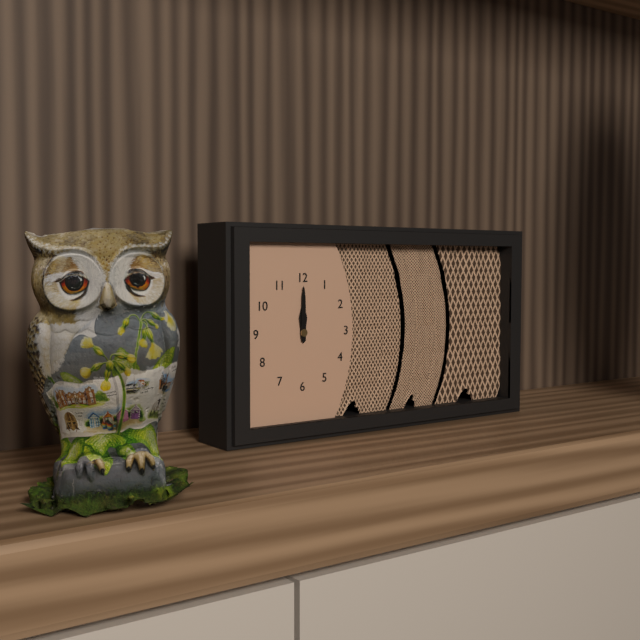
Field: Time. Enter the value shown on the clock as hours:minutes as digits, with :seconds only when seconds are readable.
12:00
